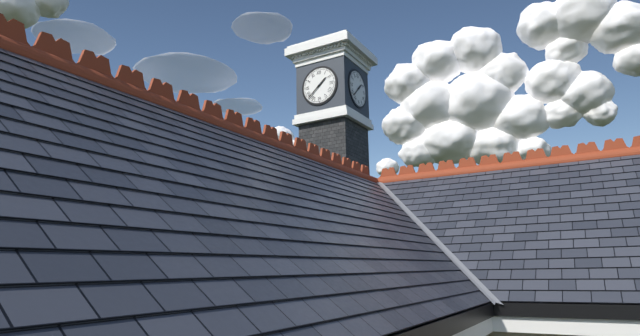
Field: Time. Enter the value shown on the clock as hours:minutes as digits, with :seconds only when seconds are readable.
1:38
